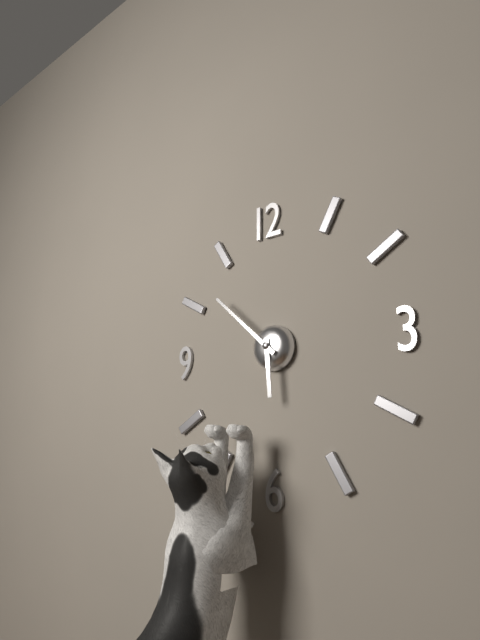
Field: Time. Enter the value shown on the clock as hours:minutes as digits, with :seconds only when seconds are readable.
5:52
